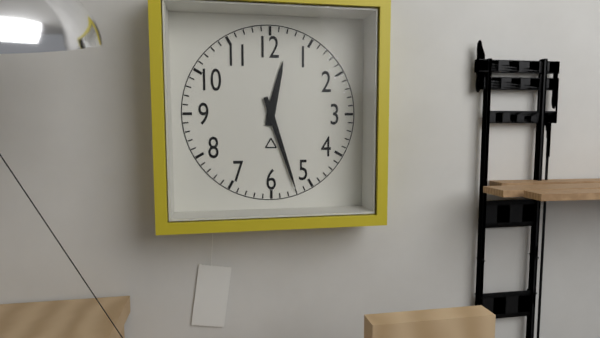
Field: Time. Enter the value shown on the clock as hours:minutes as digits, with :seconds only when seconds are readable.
12:27
